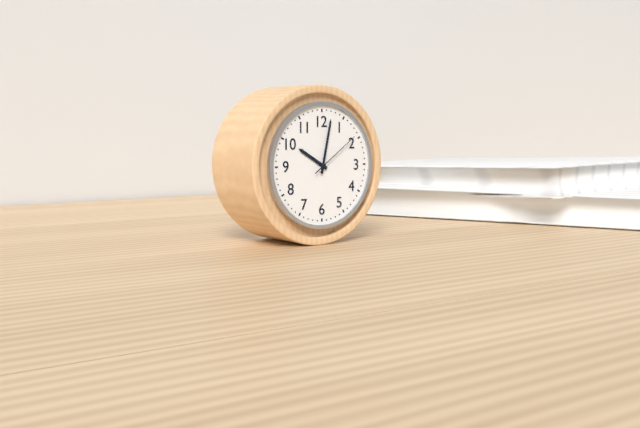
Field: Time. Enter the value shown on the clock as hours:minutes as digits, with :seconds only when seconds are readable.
10:02:09
